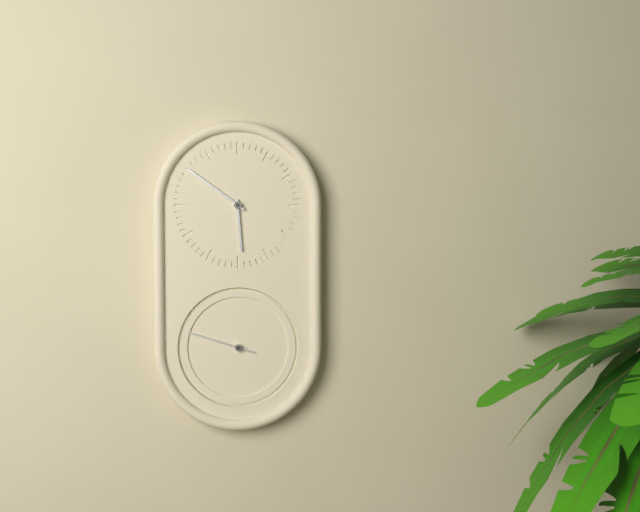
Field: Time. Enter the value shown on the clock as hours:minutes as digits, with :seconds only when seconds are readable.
5:51:48
